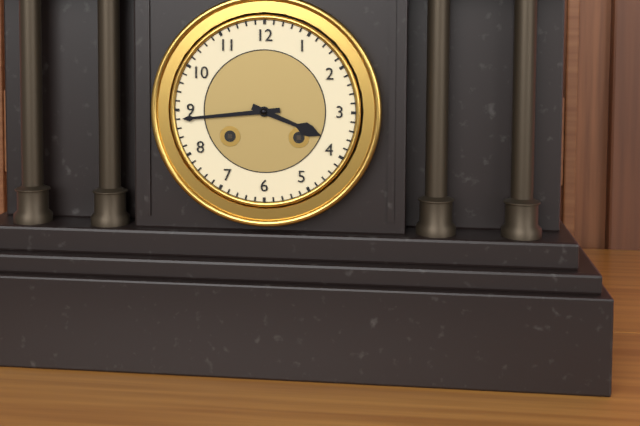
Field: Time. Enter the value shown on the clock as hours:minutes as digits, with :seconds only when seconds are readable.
3:44
